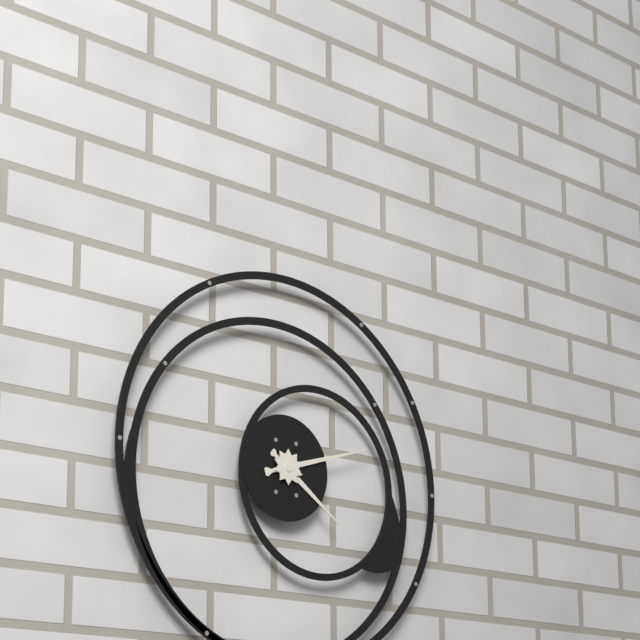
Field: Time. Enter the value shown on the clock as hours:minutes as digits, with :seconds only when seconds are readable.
4:12
